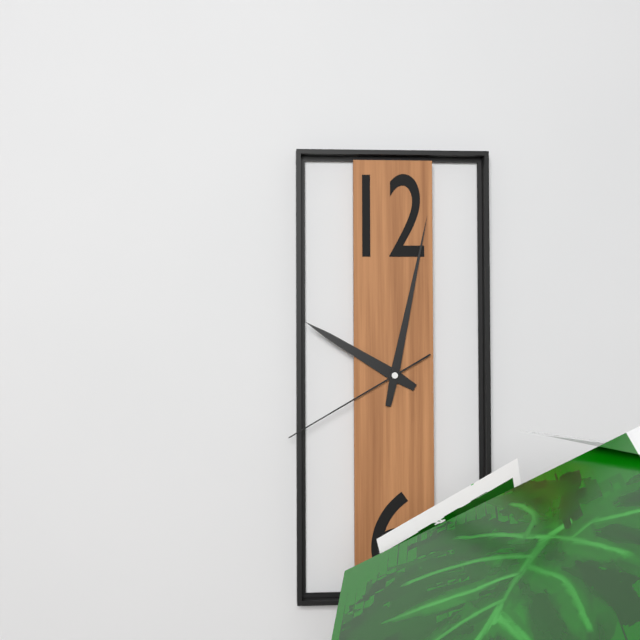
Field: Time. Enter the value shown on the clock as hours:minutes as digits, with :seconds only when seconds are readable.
10:02:40
